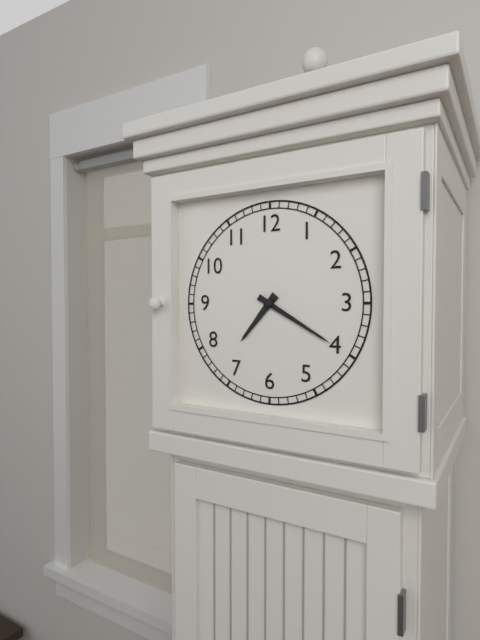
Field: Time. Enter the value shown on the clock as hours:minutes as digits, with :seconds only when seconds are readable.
7:20
